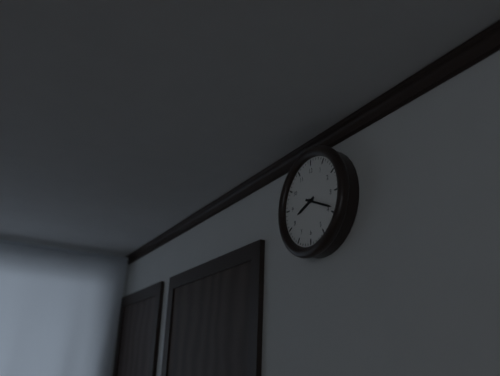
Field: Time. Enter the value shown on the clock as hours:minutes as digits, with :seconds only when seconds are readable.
8:19
